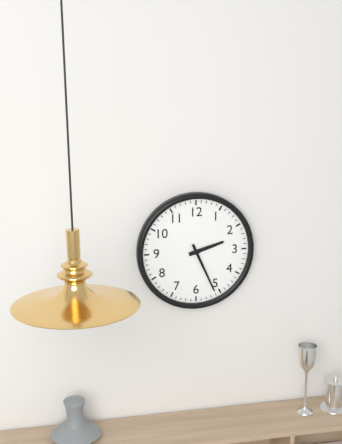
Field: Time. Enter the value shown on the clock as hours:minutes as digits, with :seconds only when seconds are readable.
2:26
